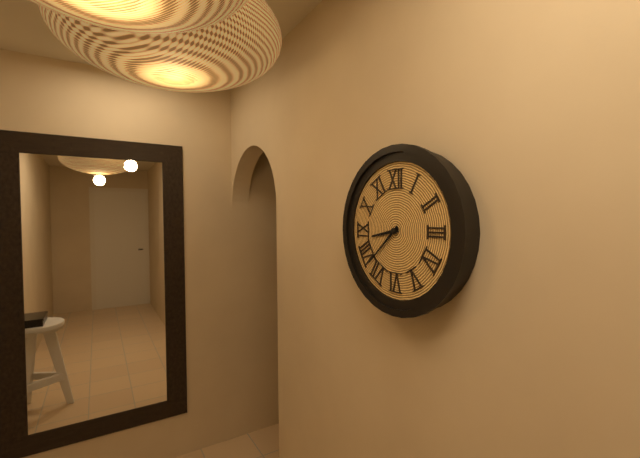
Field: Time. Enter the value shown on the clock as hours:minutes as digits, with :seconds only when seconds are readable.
8:38
